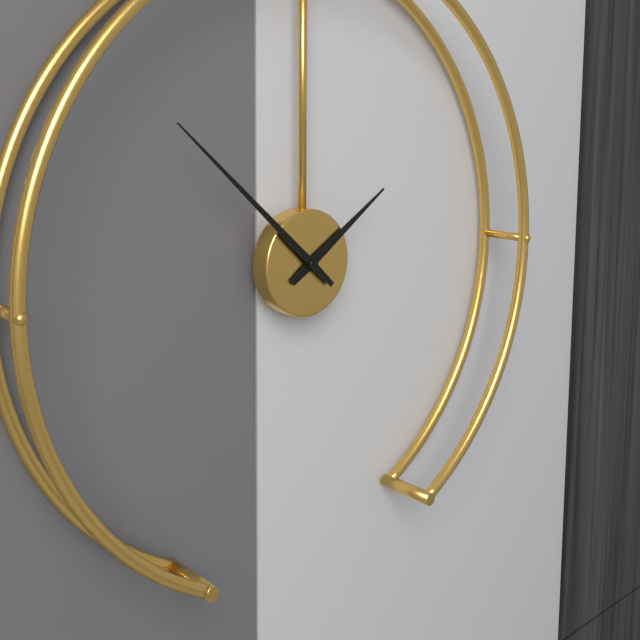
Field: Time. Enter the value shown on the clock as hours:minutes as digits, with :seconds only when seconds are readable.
1:52
